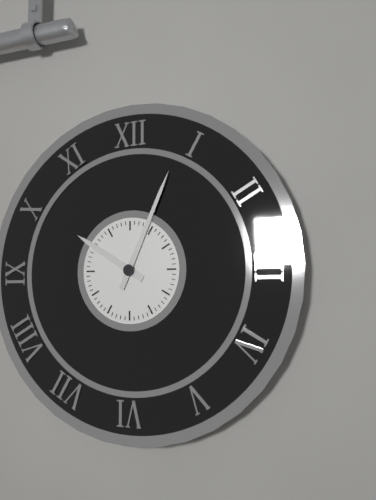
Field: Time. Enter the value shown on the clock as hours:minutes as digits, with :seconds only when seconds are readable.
10:04
